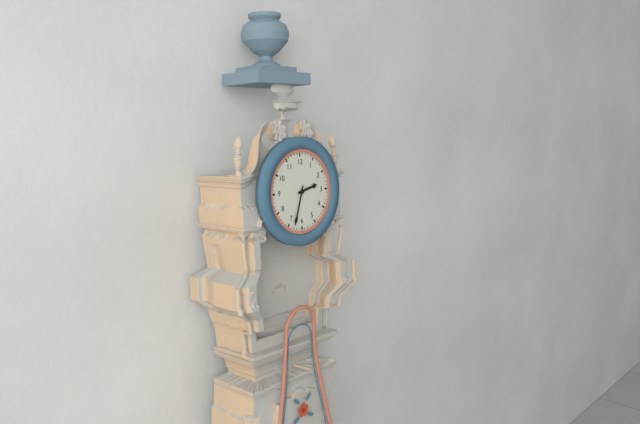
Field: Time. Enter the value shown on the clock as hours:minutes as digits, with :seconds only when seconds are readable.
2:33
